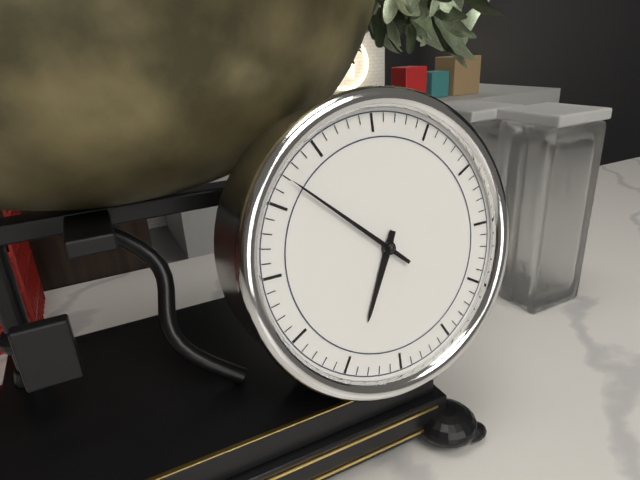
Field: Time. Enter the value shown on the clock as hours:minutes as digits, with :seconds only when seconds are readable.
6:52
